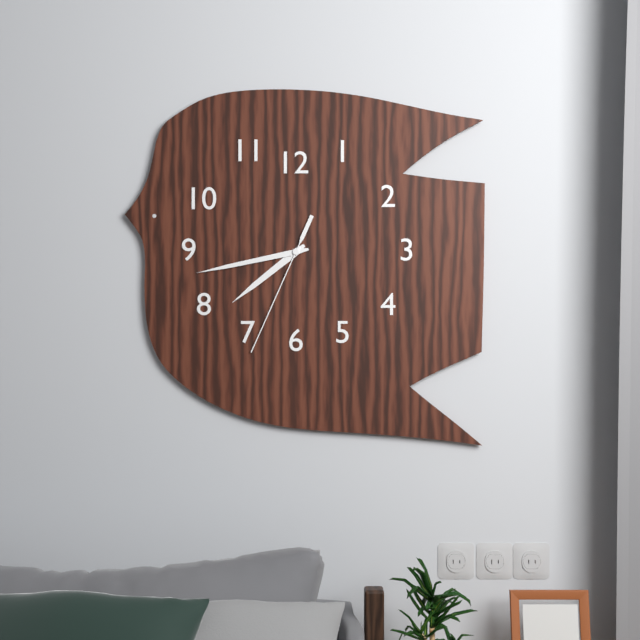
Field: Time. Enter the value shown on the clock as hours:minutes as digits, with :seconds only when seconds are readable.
7:43:34
